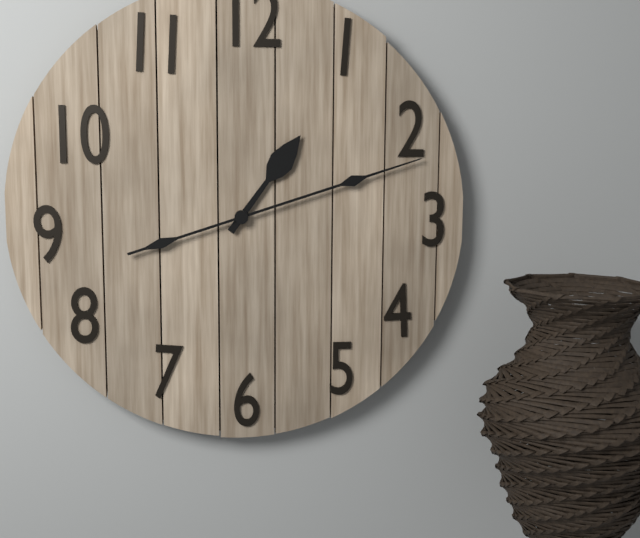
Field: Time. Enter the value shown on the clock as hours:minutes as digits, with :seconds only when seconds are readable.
1:12
